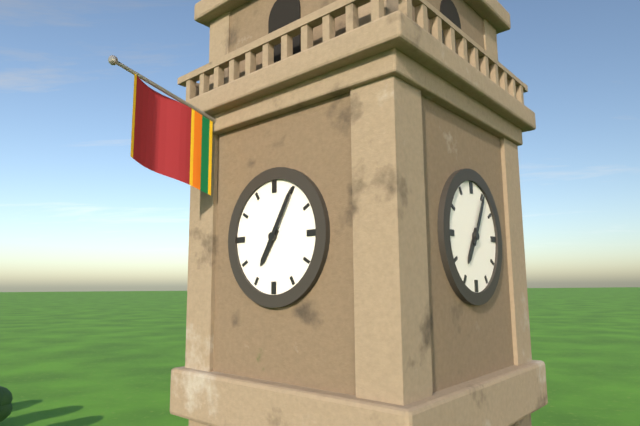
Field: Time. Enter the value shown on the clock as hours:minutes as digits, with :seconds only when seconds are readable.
7:05
